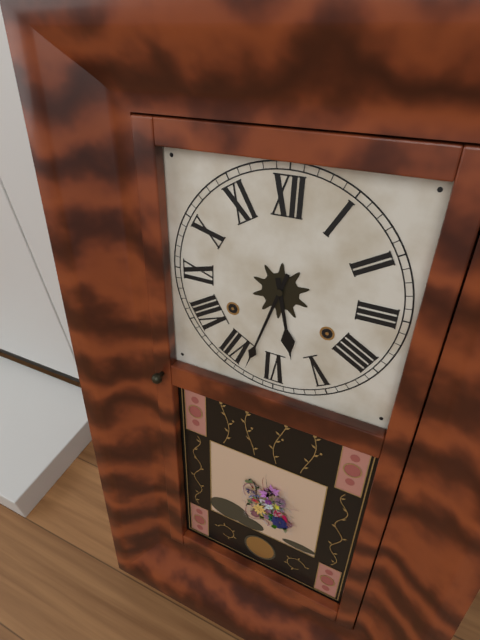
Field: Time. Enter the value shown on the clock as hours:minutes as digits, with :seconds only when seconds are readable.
5:33
